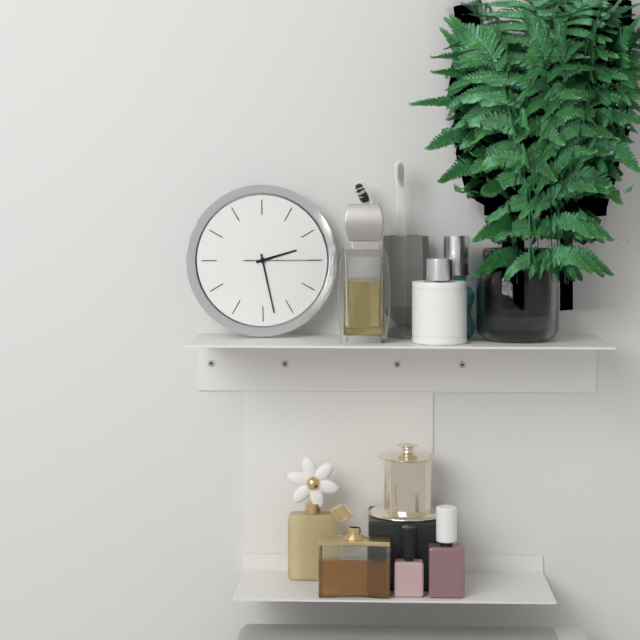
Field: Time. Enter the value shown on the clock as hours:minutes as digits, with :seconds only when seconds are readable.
2:28:15
